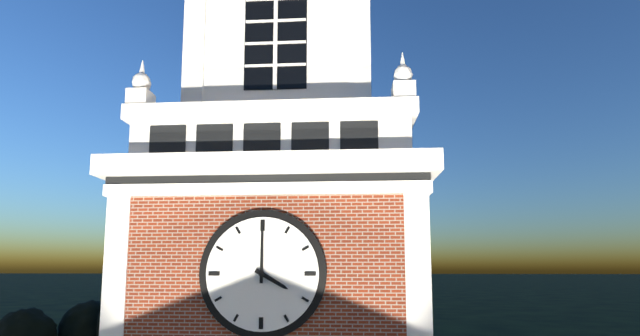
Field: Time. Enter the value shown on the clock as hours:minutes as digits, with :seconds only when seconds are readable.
4:00
